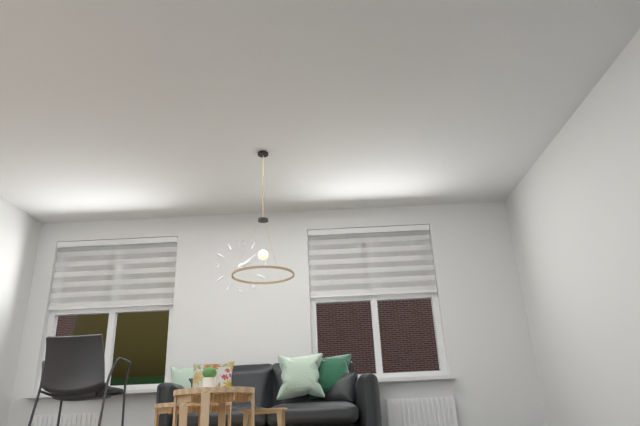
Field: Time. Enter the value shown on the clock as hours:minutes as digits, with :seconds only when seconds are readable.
2:09
